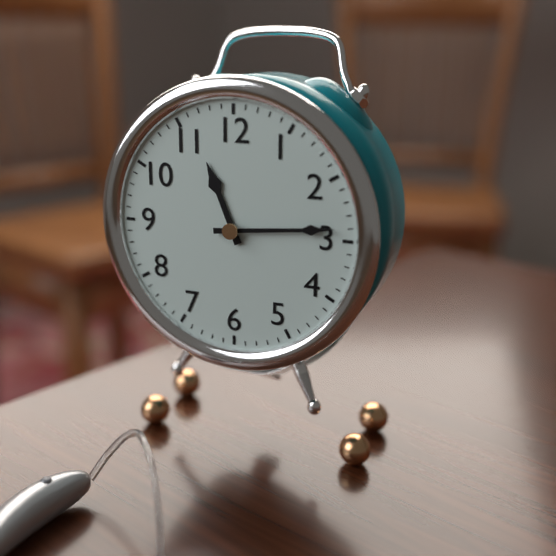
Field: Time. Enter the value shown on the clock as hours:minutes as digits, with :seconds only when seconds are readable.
11:14
